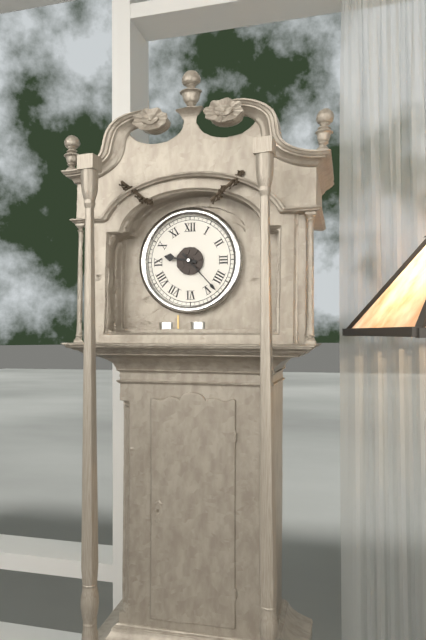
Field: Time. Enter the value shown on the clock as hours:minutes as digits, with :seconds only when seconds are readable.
9:23
